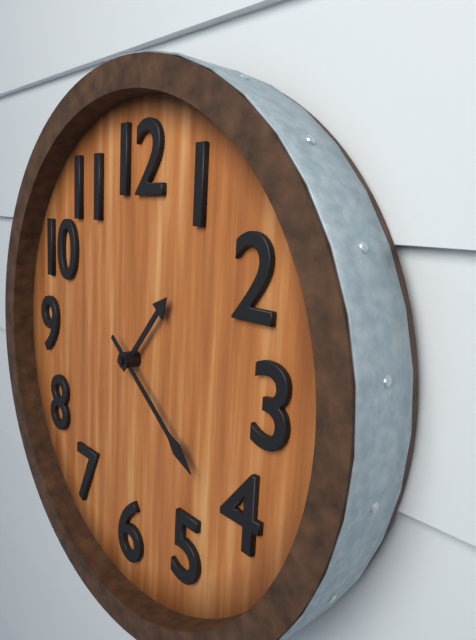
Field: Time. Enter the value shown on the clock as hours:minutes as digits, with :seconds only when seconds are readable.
1:21
